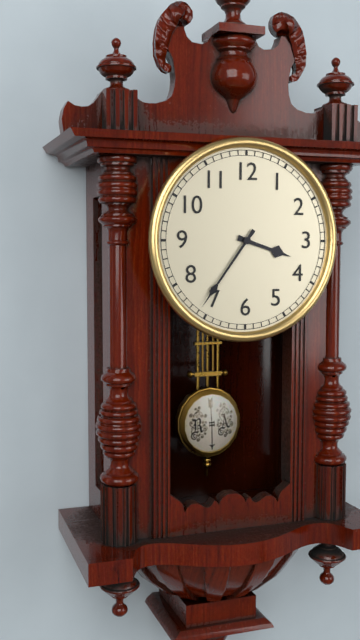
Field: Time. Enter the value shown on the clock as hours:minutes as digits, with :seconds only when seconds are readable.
3:36
